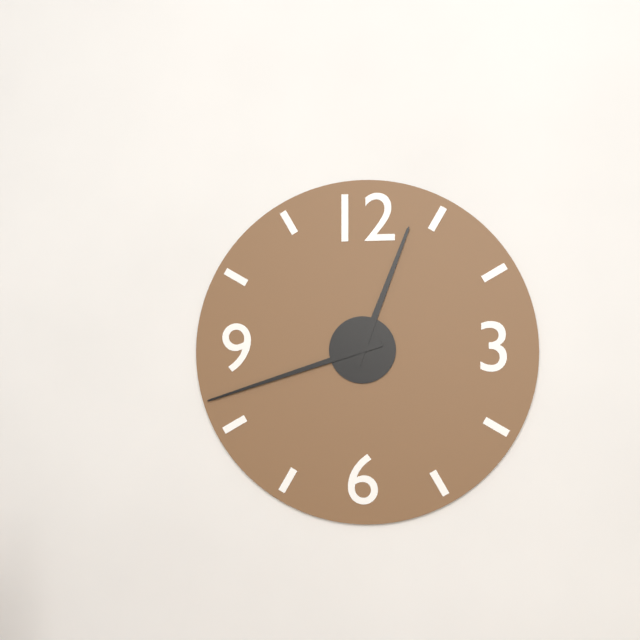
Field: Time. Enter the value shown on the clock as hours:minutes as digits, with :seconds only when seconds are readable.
12:42
